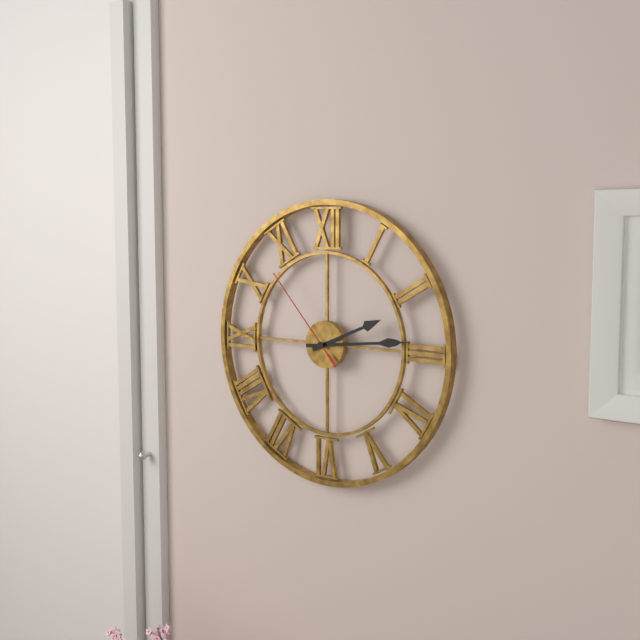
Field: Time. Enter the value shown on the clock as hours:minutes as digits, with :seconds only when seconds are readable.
2:14:53
